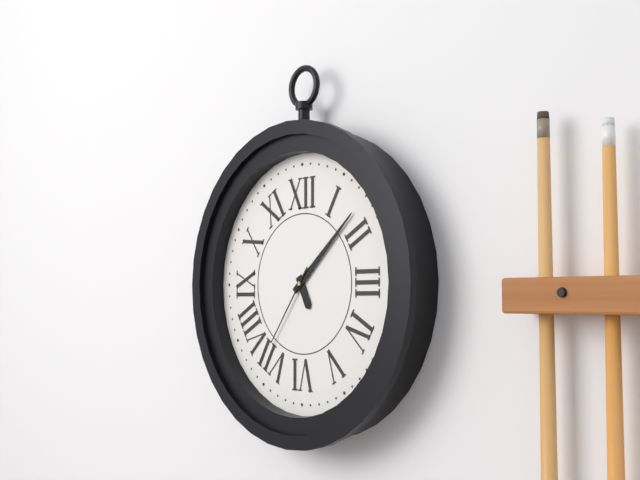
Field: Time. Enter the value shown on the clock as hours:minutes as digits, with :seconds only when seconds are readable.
5:08:36
